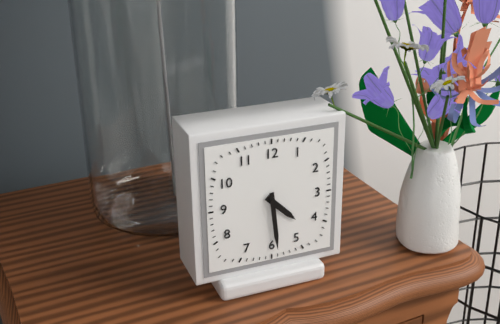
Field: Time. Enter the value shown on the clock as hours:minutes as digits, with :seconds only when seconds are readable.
4:29
